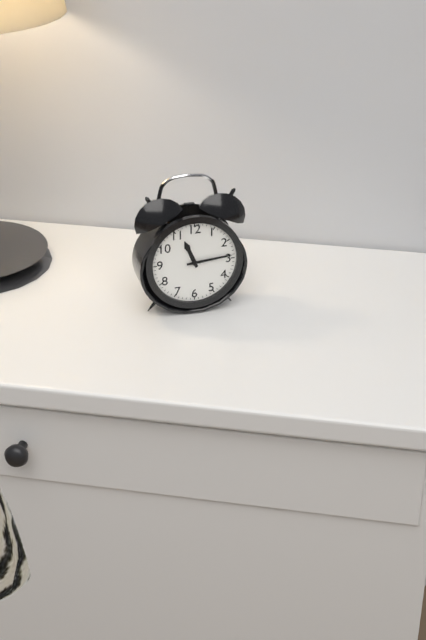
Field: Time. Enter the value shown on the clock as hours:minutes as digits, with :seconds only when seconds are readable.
11:14
